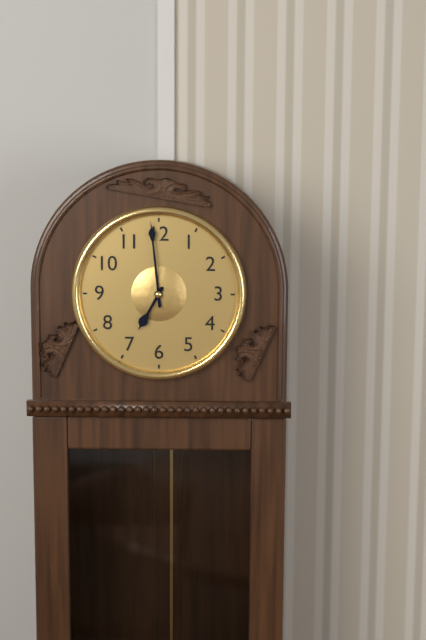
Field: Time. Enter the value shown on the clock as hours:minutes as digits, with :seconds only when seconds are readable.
6:59
